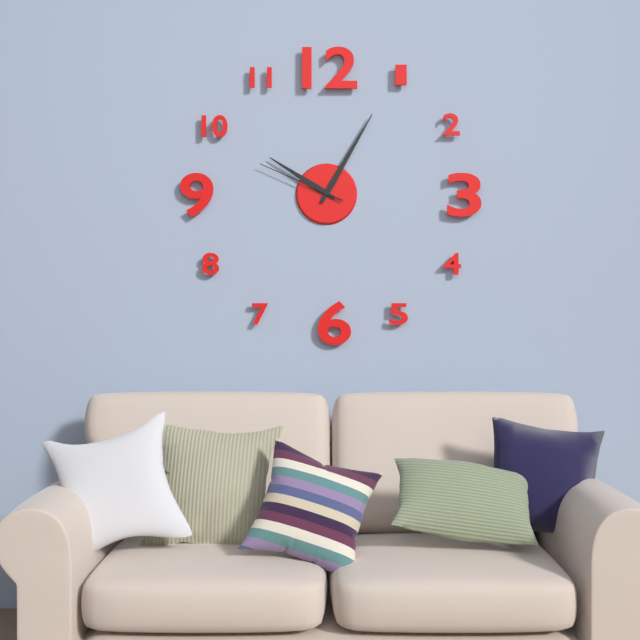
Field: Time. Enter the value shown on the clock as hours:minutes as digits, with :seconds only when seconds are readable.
10:05:49
